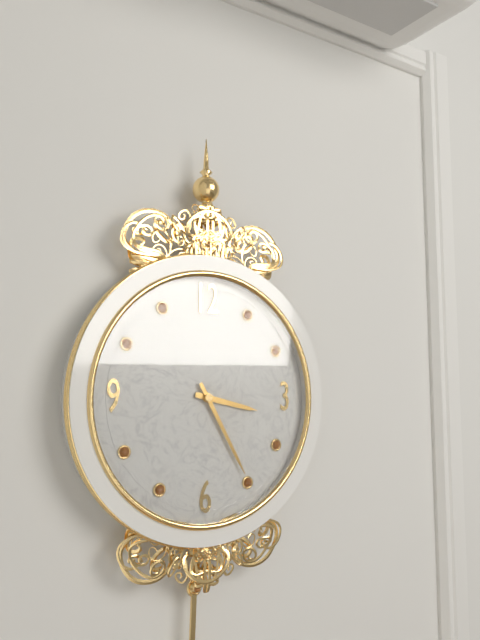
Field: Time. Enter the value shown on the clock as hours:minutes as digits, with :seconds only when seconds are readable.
3:25
